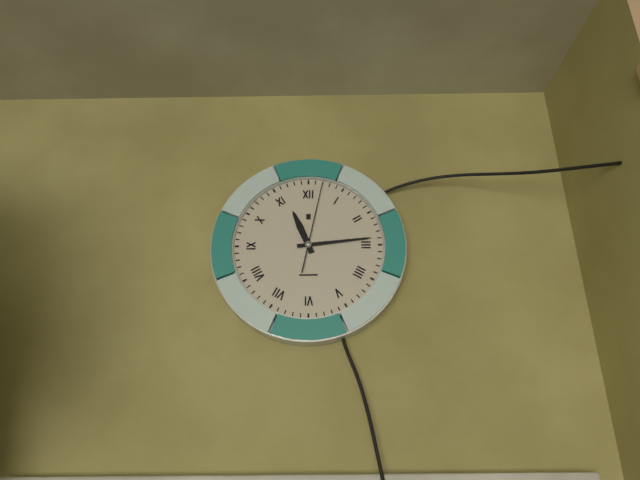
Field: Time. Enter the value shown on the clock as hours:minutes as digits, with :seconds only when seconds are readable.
11:14:02
